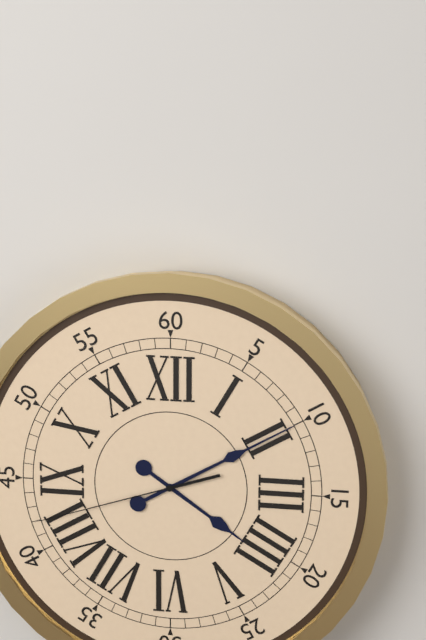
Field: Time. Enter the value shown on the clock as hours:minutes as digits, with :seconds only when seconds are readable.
4:10:42
